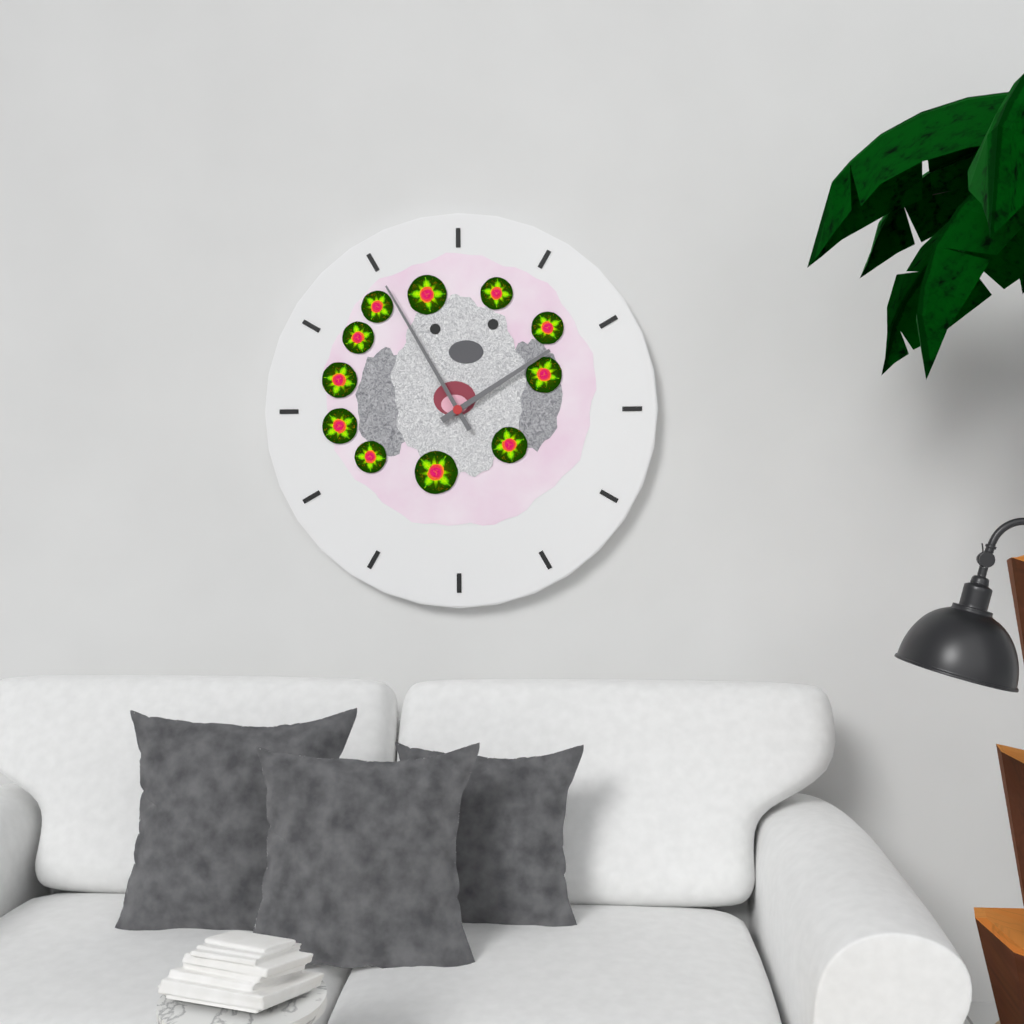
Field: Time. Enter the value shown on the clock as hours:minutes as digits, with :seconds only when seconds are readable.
1:55
